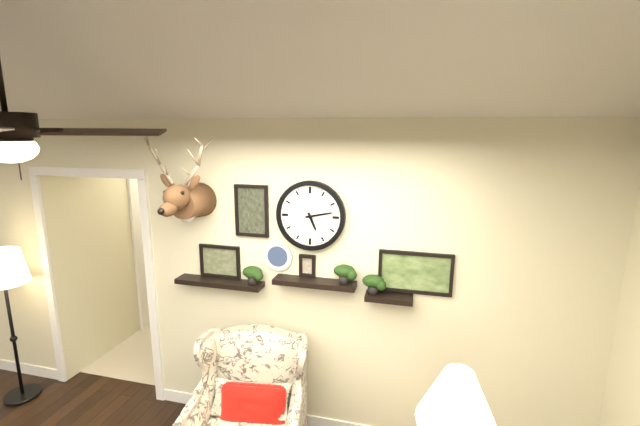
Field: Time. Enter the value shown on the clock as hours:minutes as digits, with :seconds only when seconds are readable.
5:13
